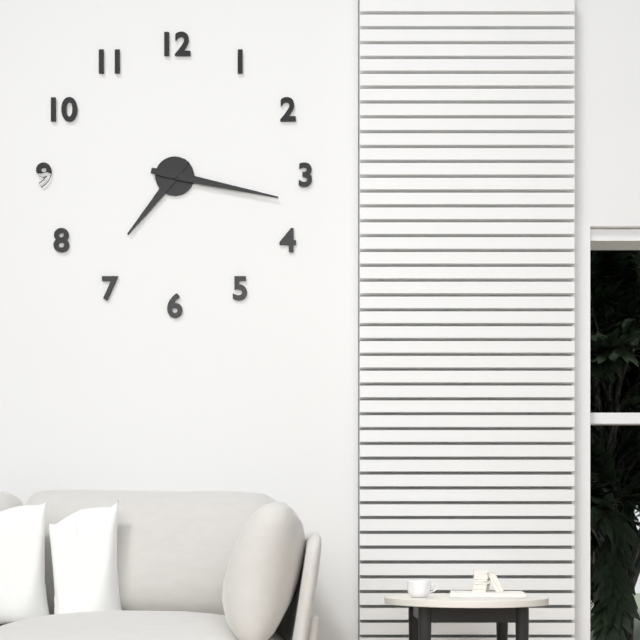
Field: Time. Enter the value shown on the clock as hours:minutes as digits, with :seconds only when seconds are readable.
7:17
